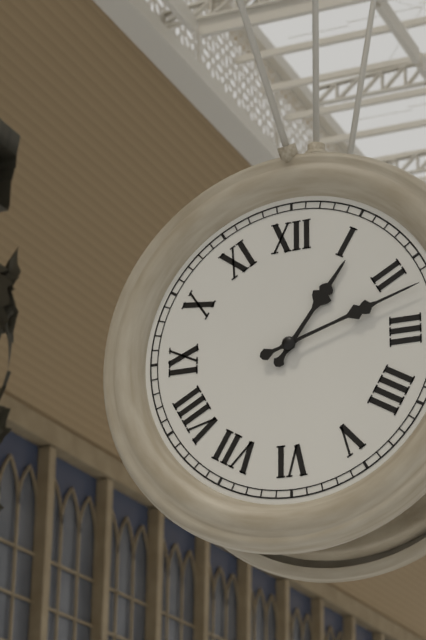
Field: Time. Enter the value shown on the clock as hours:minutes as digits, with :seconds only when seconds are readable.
1:12
